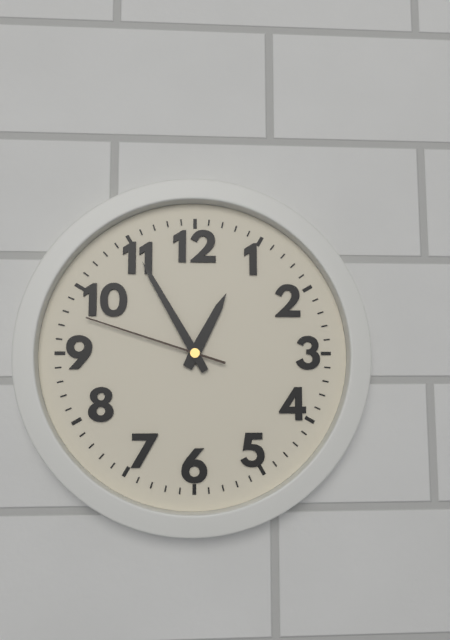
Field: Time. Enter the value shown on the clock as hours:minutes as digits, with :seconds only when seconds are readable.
12:55:48
